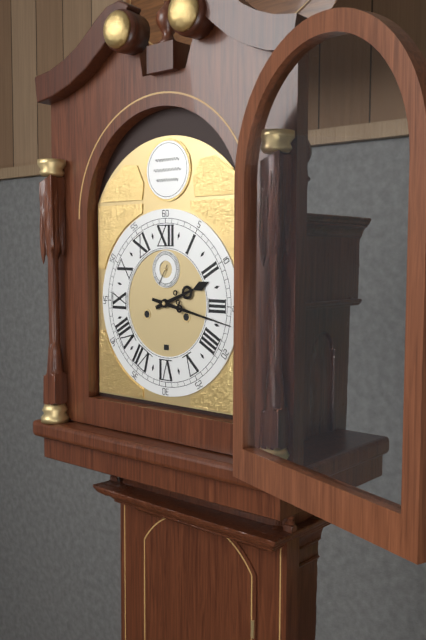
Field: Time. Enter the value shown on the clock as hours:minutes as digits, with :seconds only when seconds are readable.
2:17
